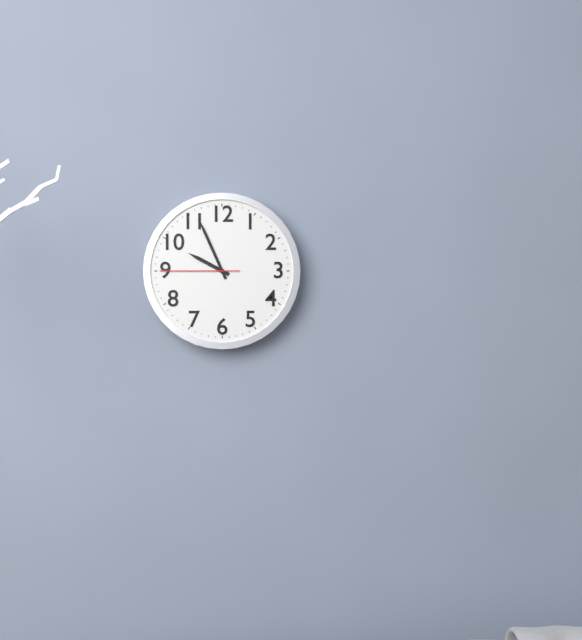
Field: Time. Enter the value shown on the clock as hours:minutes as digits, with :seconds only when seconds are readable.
9:56:45
